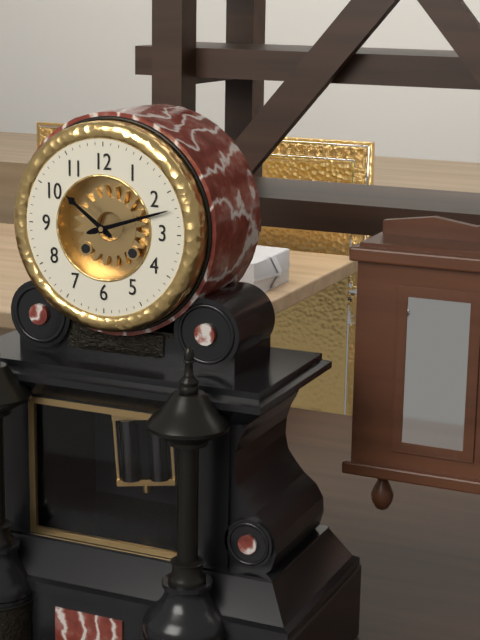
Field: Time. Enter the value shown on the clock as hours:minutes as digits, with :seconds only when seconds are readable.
10:12
